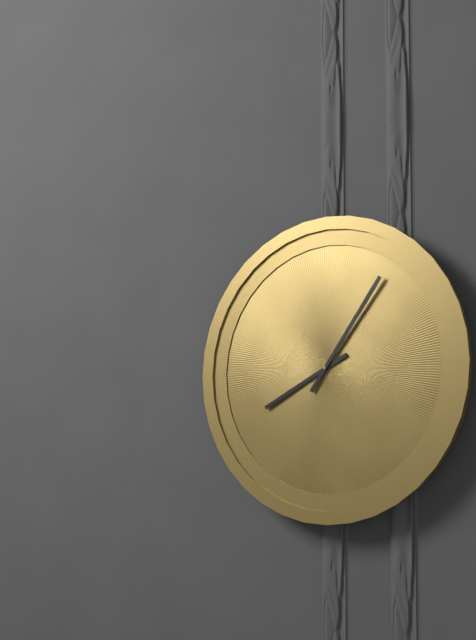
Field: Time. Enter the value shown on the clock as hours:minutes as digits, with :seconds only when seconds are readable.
8:06
